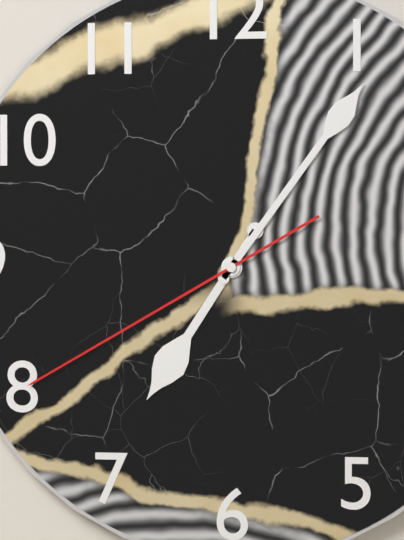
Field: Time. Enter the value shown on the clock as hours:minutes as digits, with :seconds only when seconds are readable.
7:06:40
